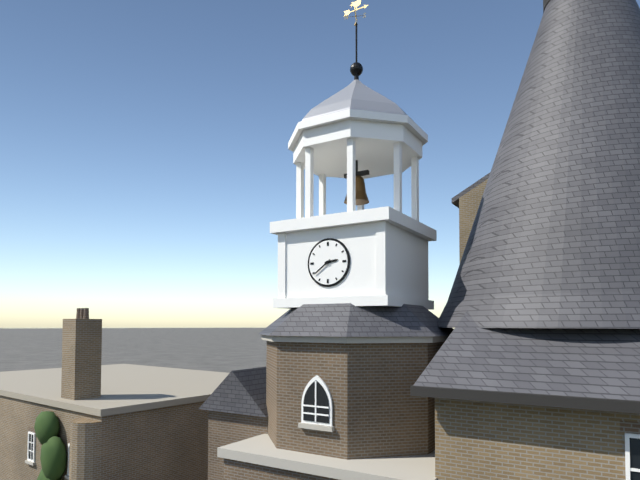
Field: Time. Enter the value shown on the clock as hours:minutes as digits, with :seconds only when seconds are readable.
2:39
